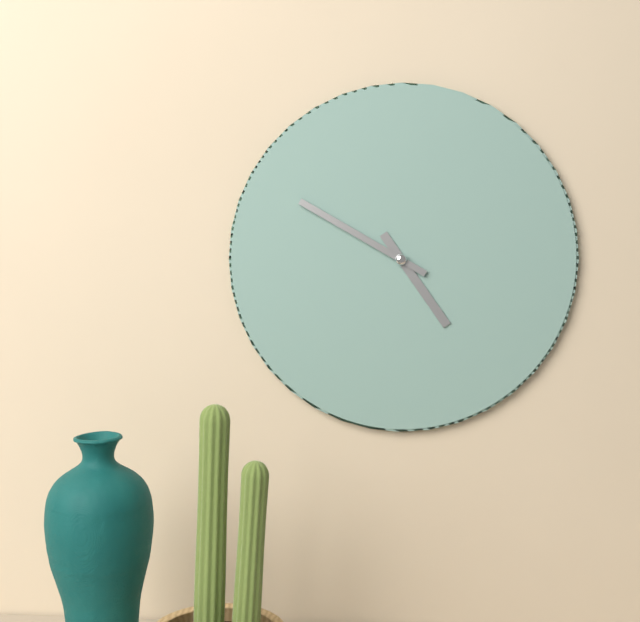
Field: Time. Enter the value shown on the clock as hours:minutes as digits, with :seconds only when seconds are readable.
4:50
